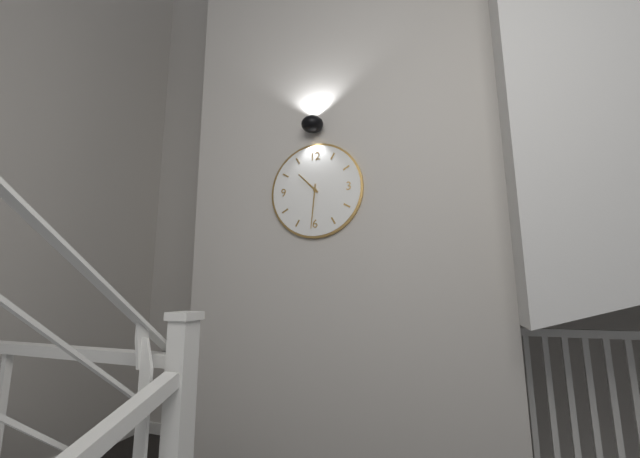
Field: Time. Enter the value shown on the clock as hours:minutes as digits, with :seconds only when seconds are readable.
10:31
